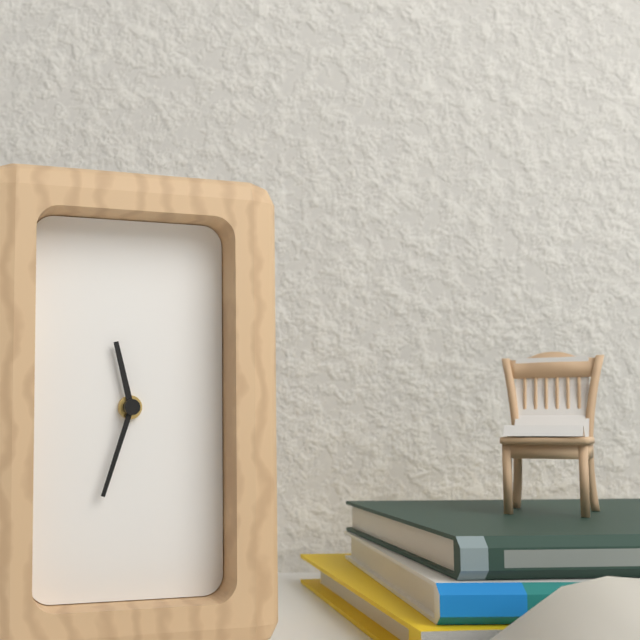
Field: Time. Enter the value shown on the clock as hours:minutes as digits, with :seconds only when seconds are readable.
11:33
